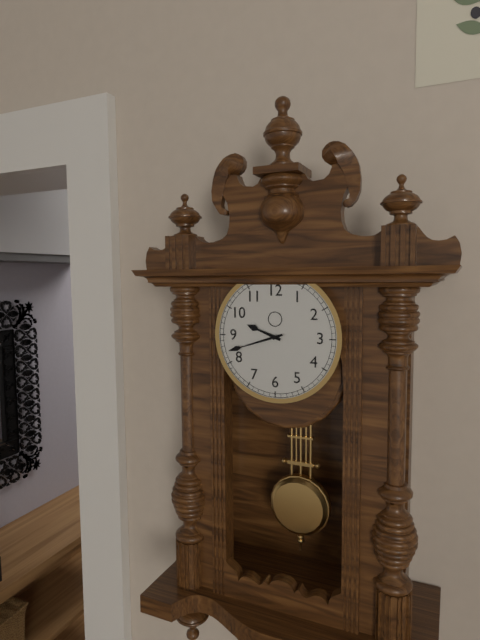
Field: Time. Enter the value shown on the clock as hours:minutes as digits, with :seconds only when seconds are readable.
9:42
